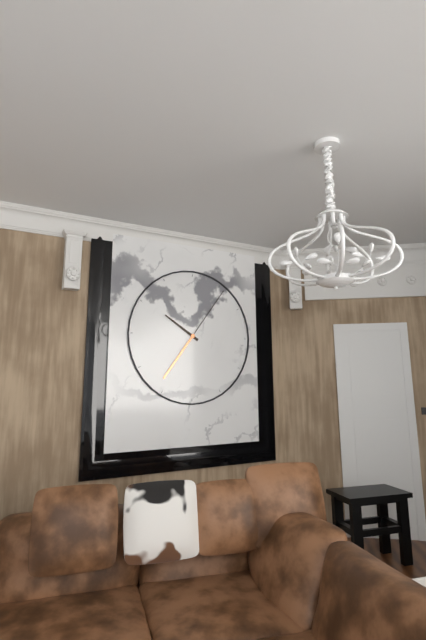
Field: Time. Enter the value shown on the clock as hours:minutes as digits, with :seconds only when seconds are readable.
10:06
